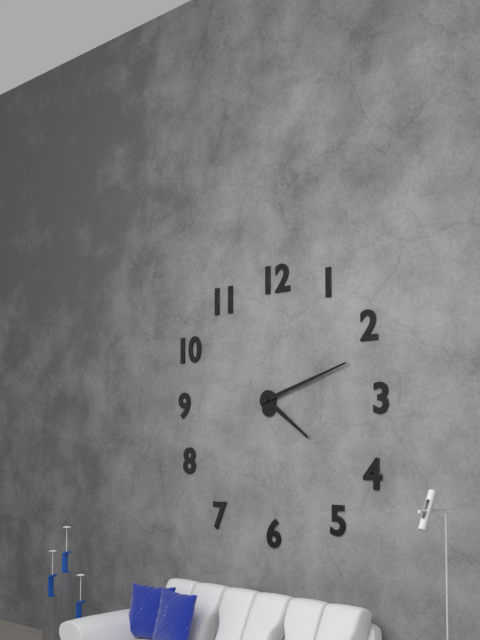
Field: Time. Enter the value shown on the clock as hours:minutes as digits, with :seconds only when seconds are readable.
4:12
